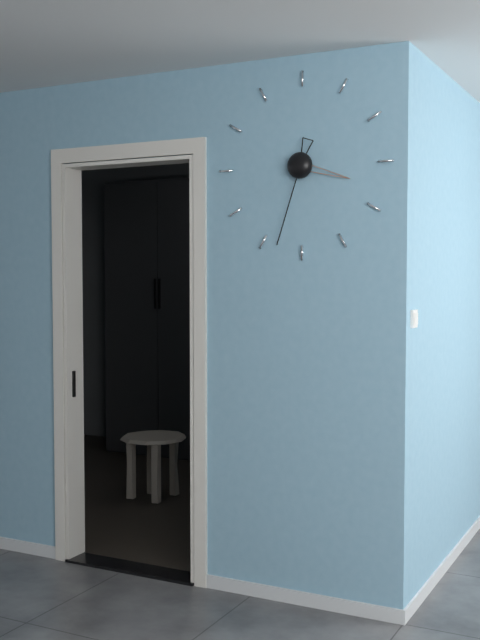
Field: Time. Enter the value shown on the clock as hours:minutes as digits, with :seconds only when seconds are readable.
3:33
